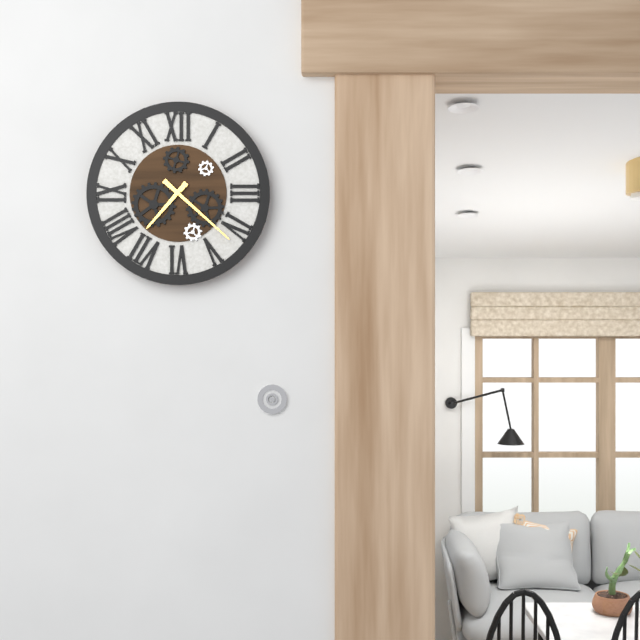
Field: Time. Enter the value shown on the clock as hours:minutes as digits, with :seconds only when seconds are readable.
7:22
